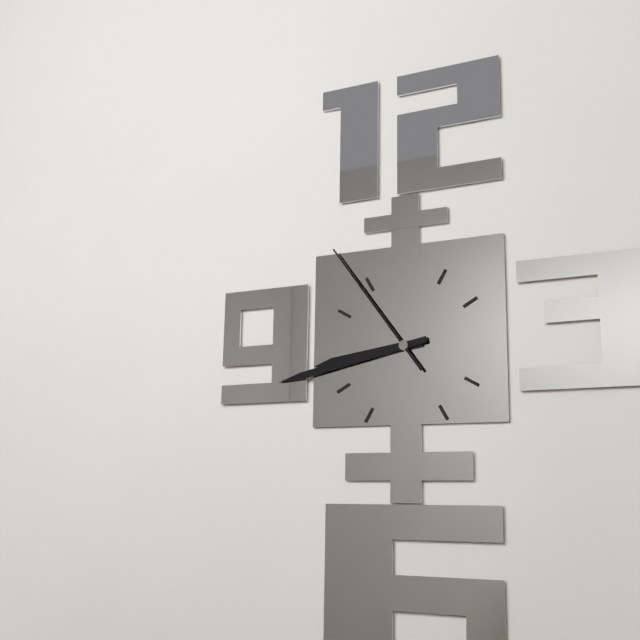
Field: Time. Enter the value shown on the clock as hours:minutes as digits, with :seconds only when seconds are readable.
8:43:54
